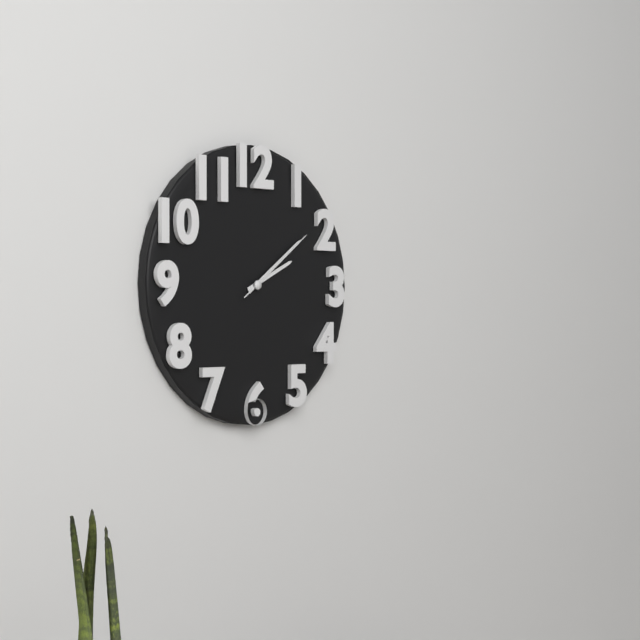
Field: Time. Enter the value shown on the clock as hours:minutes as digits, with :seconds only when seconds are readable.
2:09:09
